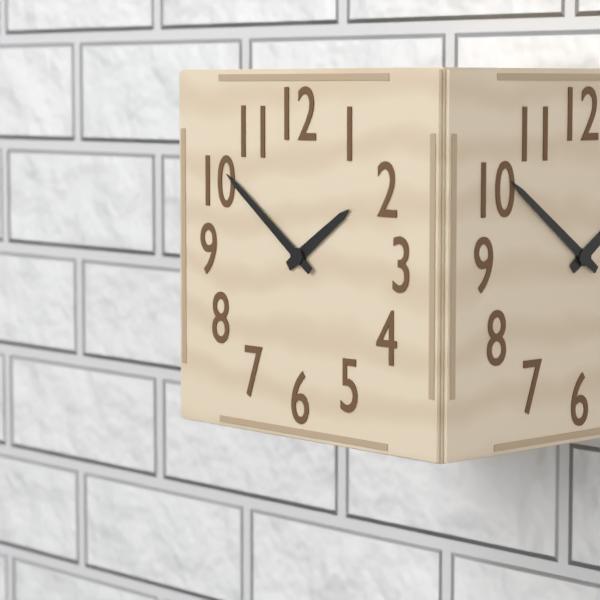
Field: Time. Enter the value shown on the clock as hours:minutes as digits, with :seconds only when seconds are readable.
1:51
